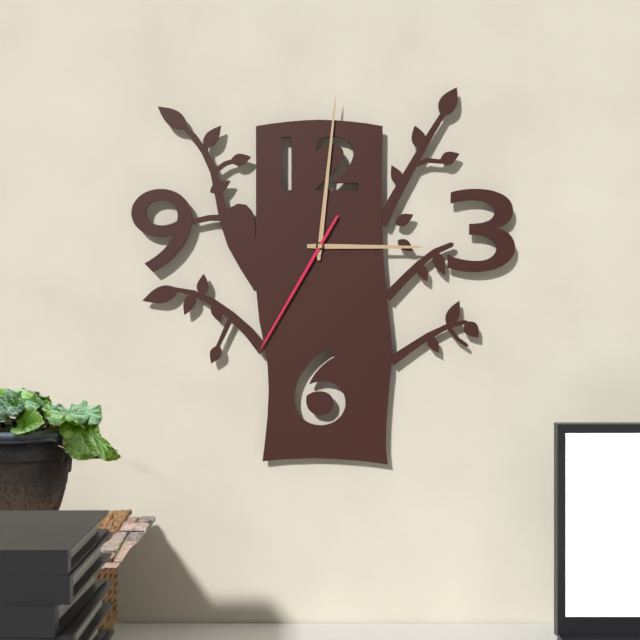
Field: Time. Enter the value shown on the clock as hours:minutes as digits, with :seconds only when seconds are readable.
3:01:35
